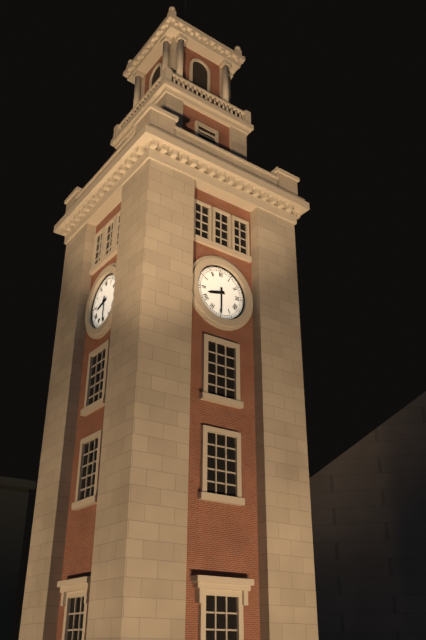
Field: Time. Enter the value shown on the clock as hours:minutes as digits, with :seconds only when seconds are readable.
8:30
